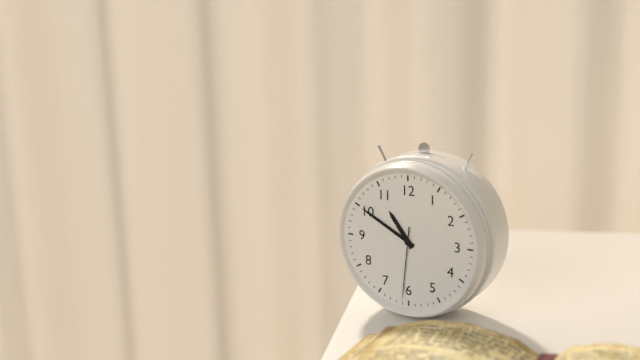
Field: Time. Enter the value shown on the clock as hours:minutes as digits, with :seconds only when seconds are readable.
10:50:31
